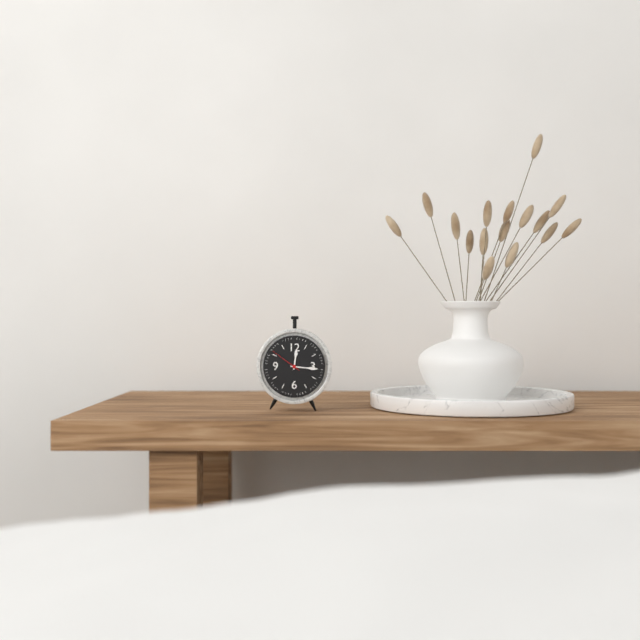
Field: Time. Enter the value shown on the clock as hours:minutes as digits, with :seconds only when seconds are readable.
12:16
